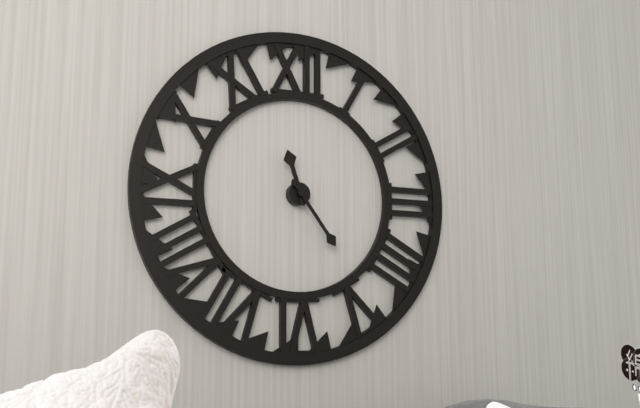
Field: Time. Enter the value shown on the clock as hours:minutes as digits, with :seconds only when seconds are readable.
11:24
